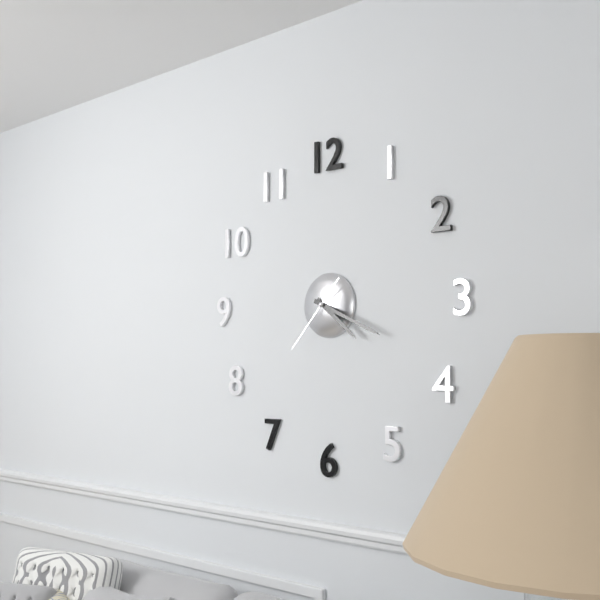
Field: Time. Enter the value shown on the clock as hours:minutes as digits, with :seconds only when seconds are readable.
4:19:37
